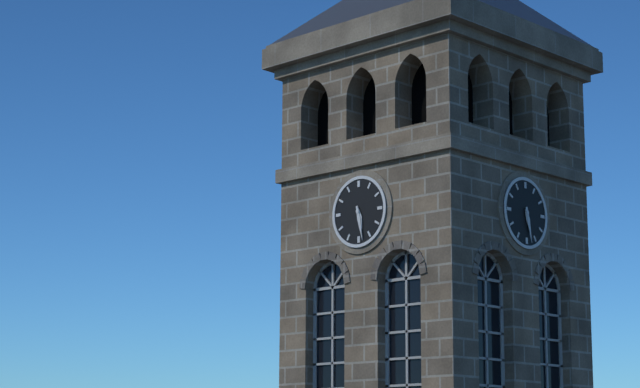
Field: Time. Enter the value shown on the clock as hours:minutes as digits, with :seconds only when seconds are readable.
5:28
